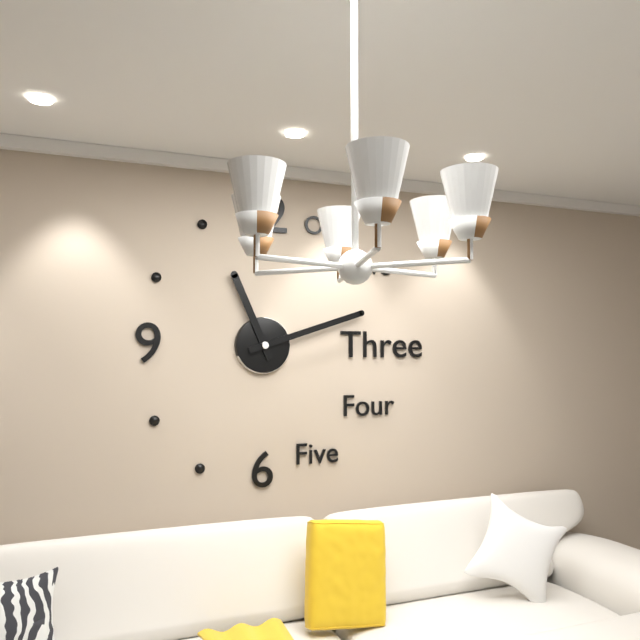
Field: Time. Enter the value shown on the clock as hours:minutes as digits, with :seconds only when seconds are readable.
11:12
